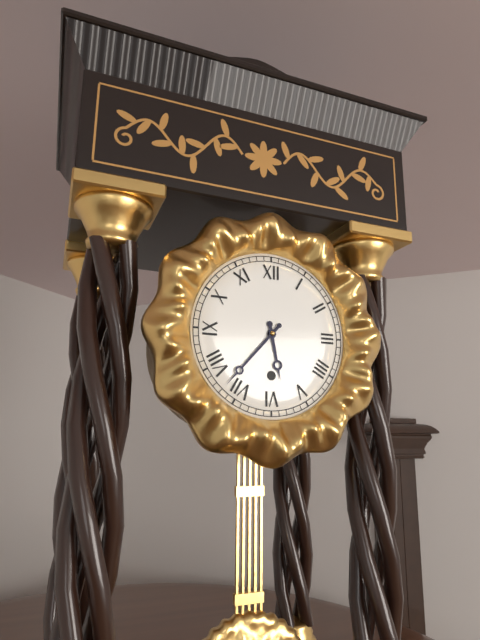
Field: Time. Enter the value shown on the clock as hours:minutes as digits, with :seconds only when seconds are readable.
5:37
